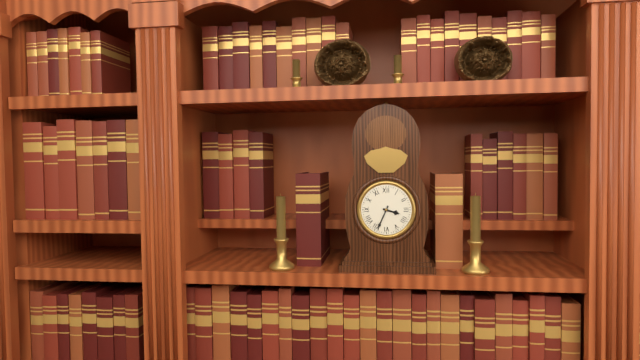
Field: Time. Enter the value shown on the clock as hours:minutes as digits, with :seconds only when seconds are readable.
3:34
